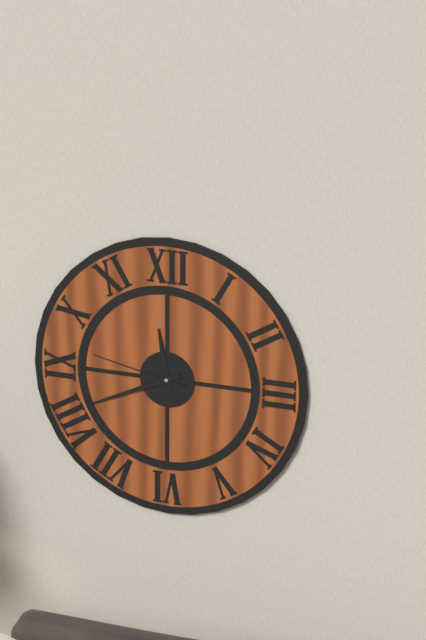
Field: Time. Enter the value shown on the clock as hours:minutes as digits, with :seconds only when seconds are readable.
11:41:47
